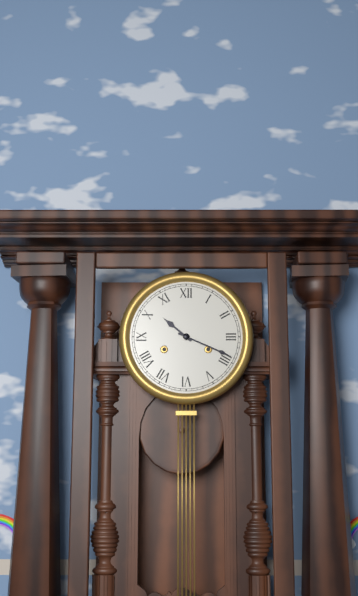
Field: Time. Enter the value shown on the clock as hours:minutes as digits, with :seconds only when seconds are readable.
10:19
